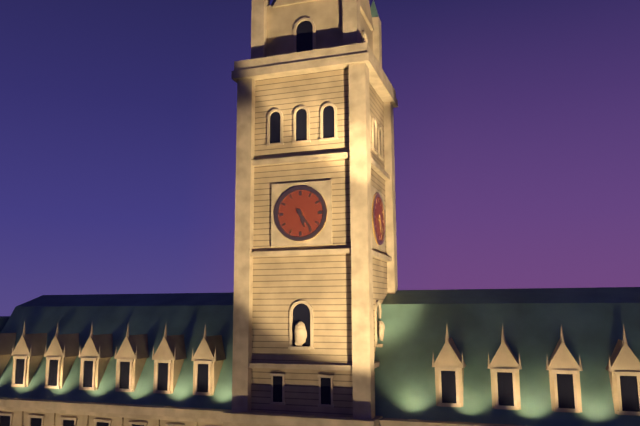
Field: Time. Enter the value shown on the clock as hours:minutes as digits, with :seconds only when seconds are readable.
5:24
